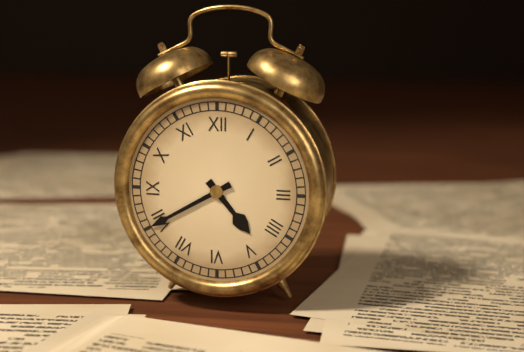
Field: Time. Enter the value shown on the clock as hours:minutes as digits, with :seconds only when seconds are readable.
4:40
